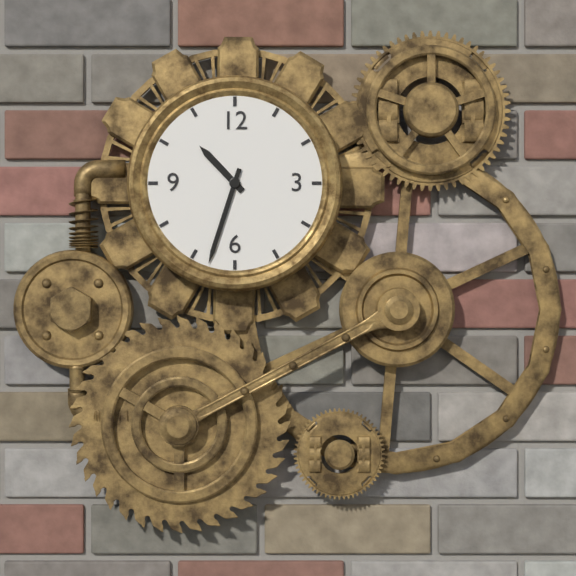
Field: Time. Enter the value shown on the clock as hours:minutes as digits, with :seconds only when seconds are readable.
10:33
